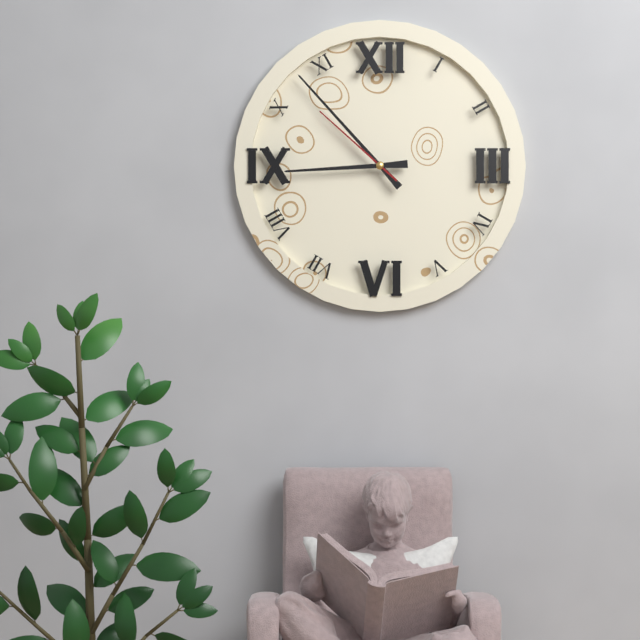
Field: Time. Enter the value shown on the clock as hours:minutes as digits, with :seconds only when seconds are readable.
8:53:52
